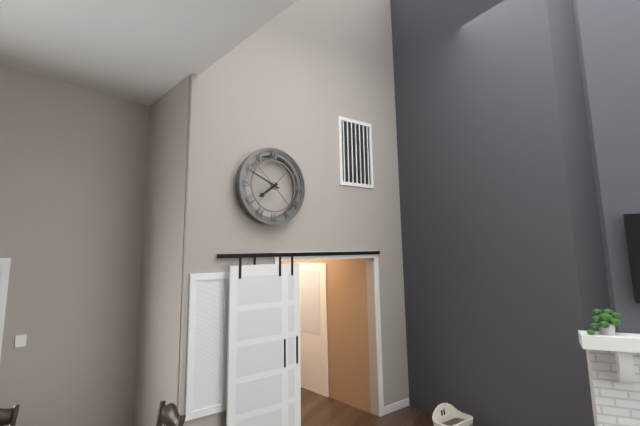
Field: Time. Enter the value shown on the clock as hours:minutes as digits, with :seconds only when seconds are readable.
7:49
